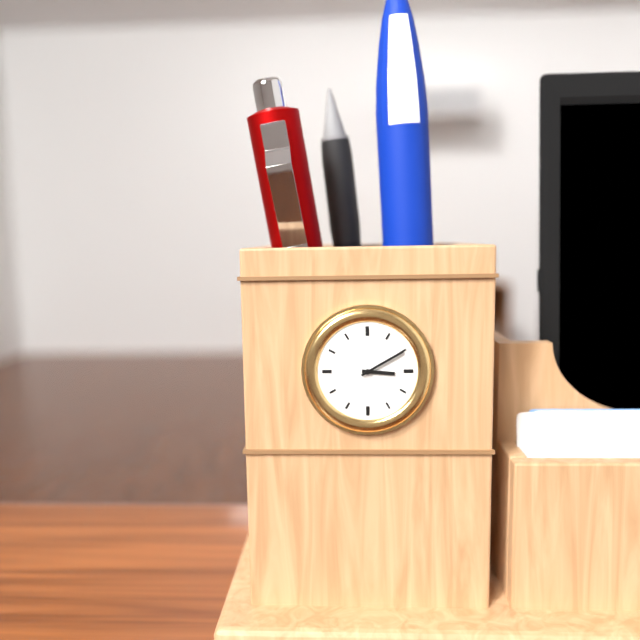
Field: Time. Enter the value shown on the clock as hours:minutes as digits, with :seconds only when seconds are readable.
3:10
